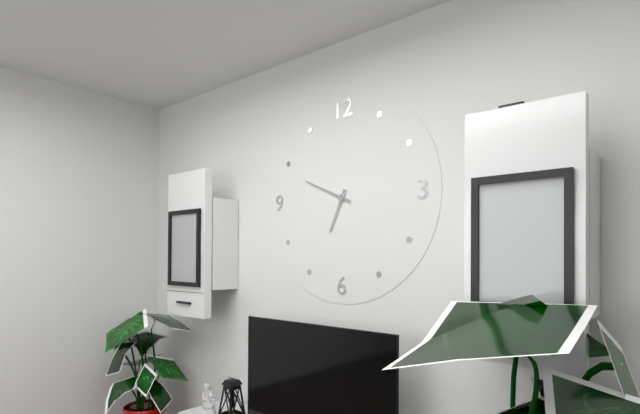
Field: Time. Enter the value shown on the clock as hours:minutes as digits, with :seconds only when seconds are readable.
6:49
